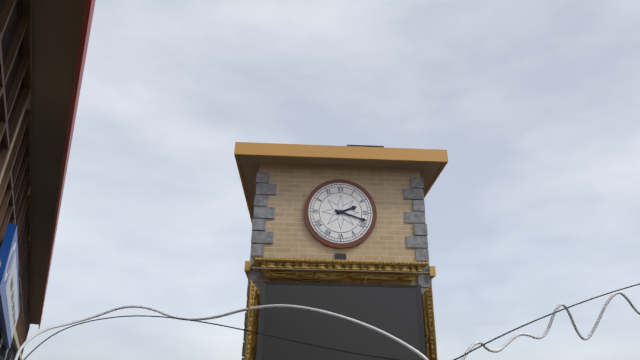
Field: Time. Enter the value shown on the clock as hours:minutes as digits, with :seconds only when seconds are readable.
2:18
